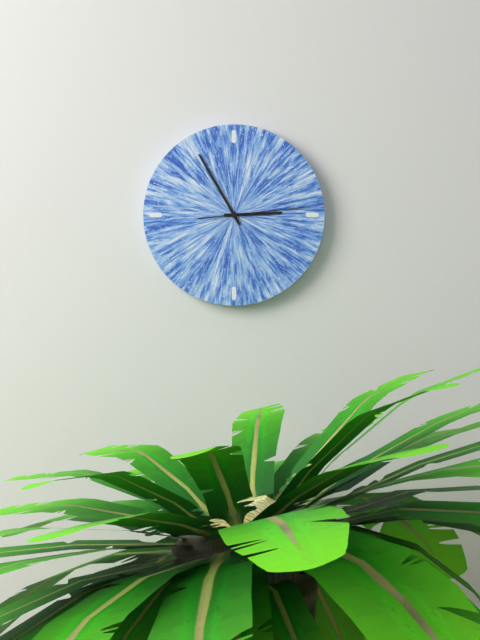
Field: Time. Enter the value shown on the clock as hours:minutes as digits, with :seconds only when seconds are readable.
2:55:14
